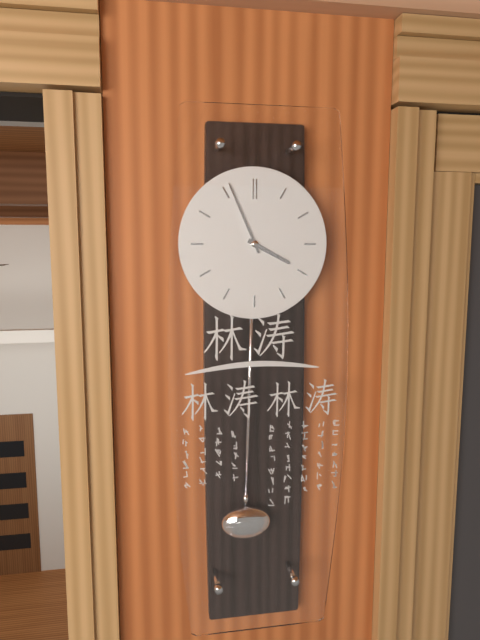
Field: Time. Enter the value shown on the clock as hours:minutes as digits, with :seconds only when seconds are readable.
3:56
